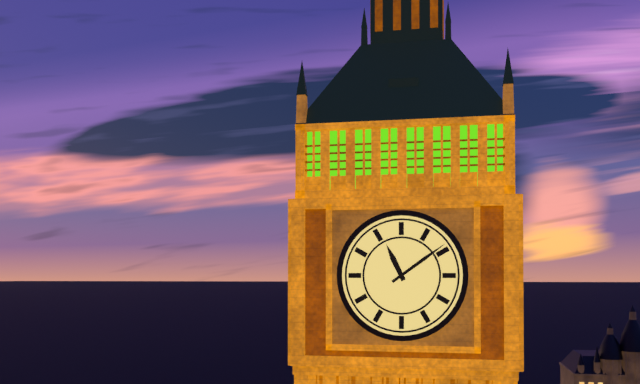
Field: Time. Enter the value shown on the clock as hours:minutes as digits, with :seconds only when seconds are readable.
11:09
